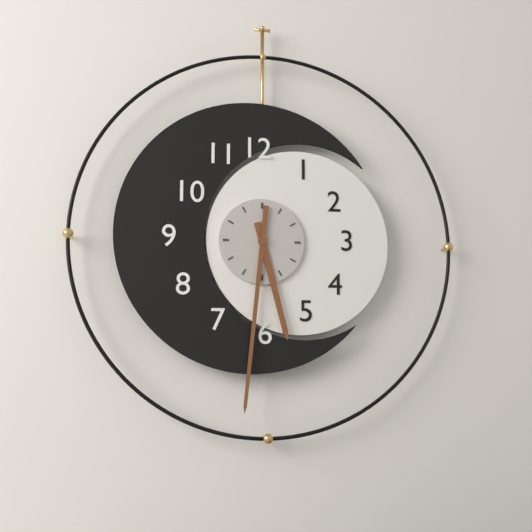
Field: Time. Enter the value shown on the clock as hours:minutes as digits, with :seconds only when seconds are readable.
5:31
